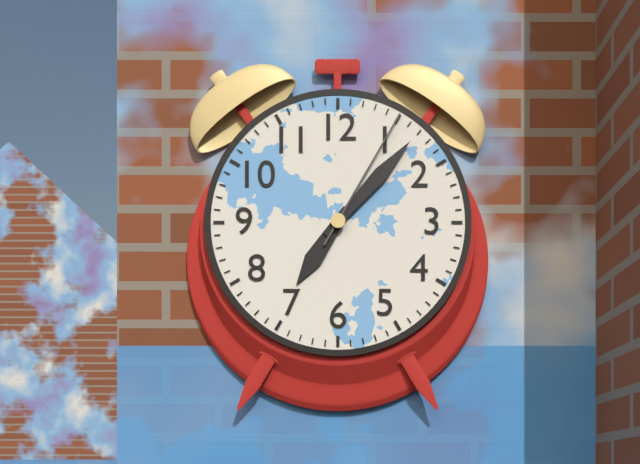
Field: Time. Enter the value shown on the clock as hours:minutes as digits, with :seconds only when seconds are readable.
7:07:05
